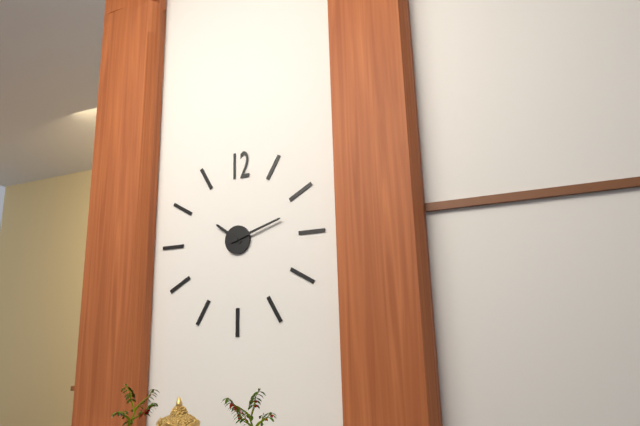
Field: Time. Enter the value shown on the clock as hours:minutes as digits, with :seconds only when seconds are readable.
10:12
